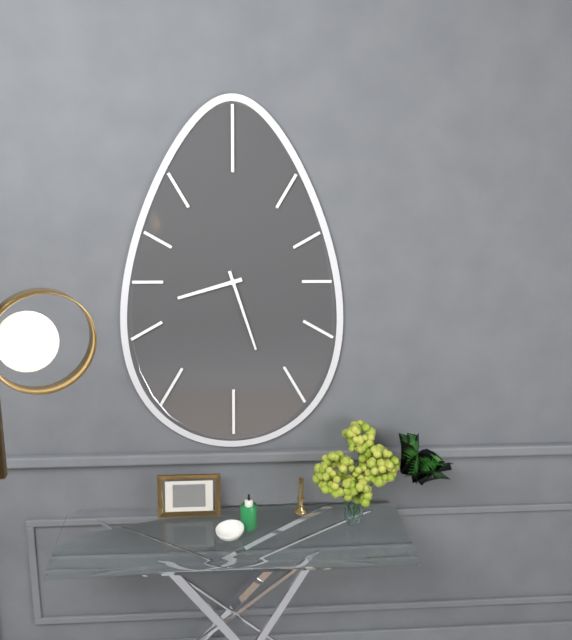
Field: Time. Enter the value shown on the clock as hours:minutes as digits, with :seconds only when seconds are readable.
8:27
